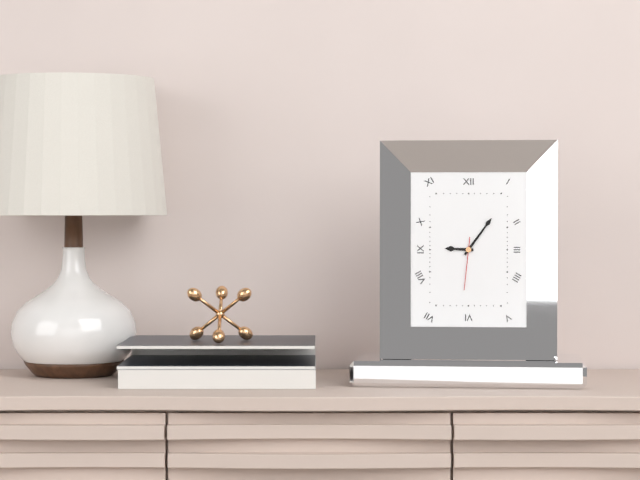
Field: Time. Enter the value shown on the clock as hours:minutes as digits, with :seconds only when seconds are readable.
9:06:31
